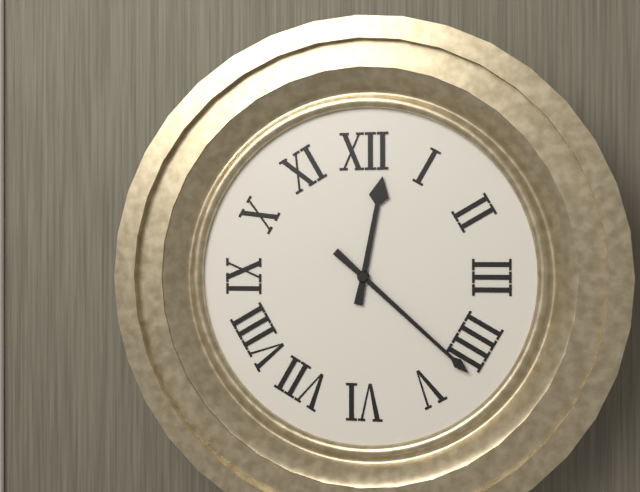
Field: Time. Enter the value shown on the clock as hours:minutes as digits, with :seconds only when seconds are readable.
12:22
